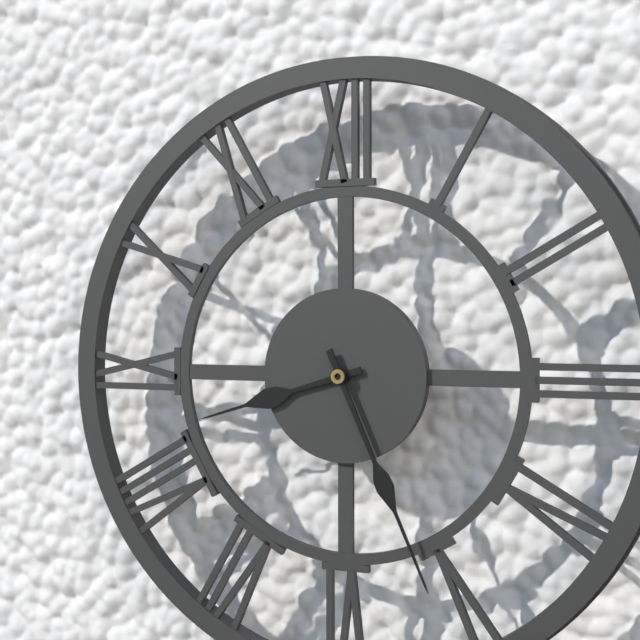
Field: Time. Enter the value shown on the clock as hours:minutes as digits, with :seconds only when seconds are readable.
8:26
